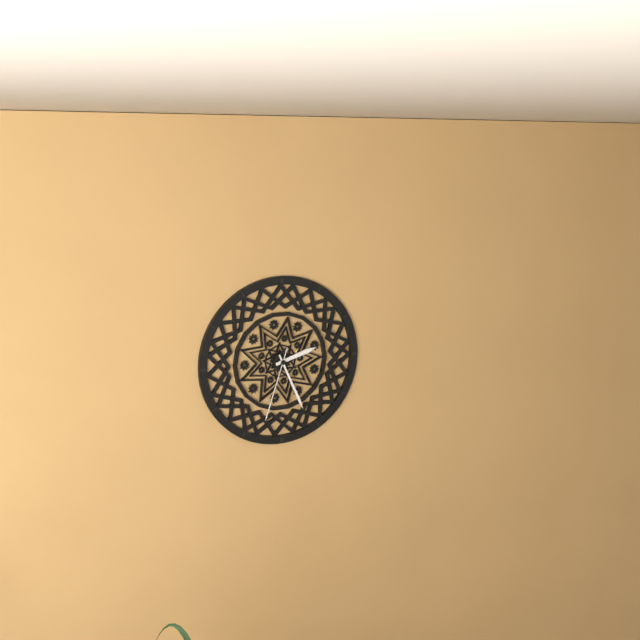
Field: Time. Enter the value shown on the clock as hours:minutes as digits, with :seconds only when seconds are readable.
2:26:33
